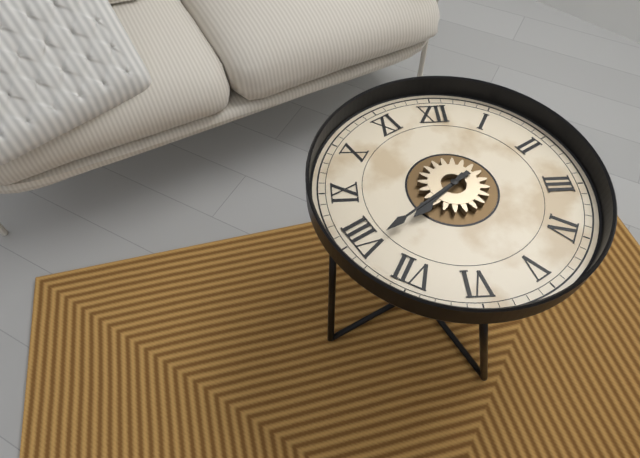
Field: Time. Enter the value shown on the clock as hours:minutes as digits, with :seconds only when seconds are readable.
7:39
